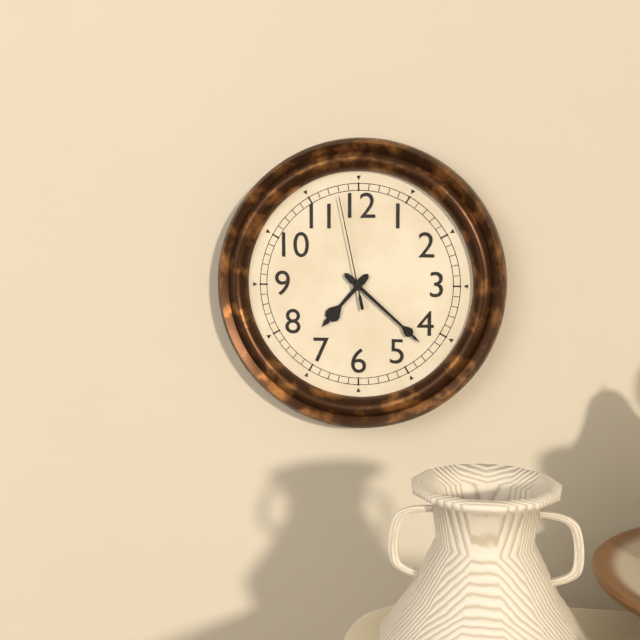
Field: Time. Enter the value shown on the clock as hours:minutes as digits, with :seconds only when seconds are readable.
7:22:58
